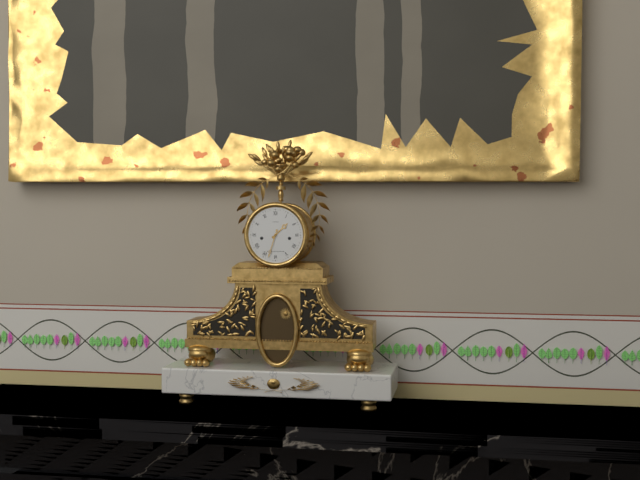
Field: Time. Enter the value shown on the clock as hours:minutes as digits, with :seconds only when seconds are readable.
1:33
